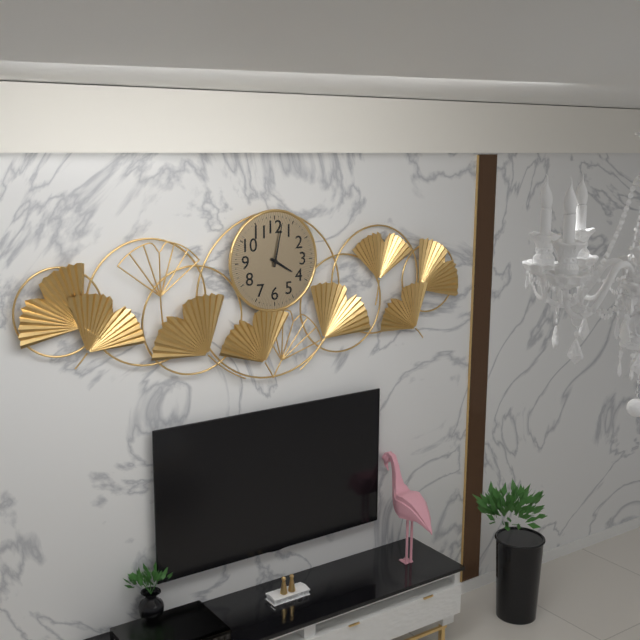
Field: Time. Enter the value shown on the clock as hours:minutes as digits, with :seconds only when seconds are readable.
4:02
